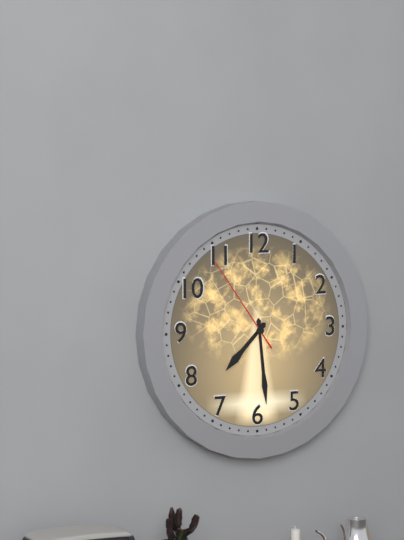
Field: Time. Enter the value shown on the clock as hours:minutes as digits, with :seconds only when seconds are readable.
7:29:54
